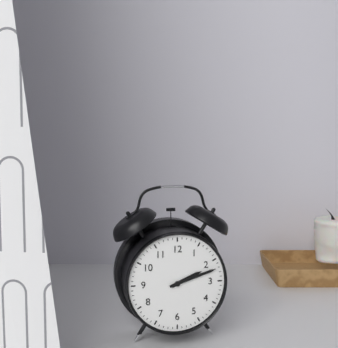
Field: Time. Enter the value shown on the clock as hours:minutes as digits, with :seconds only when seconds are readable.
2:12
